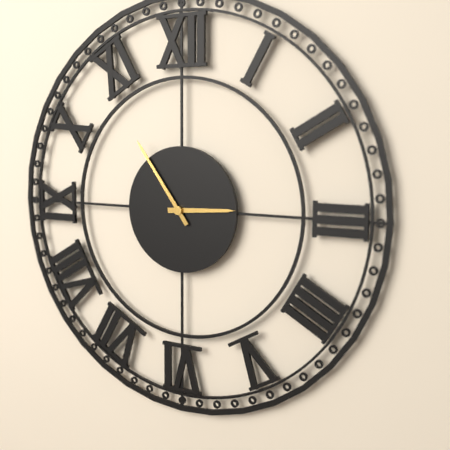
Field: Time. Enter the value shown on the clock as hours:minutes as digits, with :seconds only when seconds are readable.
2:54
